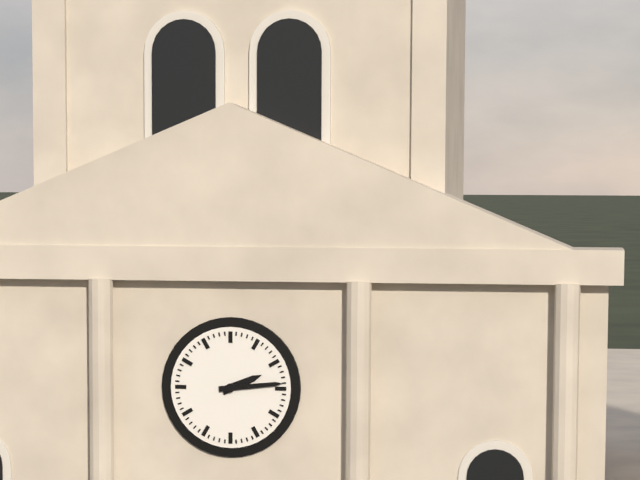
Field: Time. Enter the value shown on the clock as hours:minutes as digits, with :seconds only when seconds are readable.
2:14
